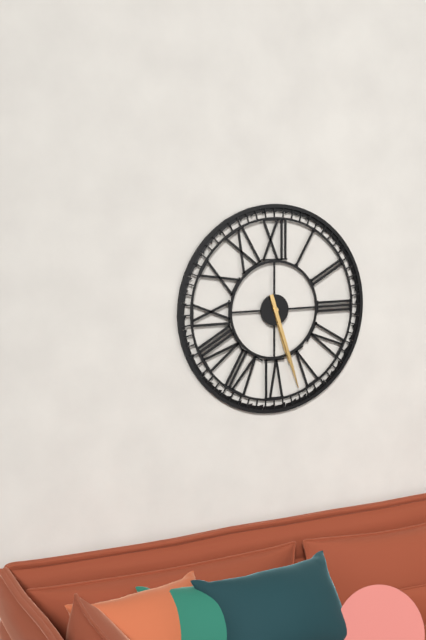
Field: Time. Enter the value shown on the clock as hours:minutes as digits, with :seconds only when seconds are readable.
5:27
